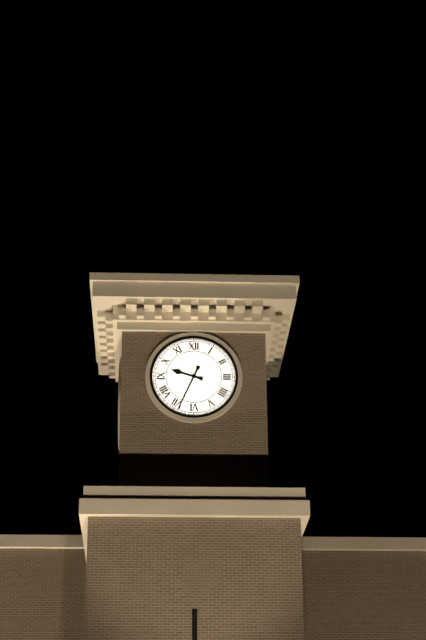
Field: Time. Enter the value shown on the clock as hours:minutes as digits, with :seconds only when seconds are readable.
9:34
